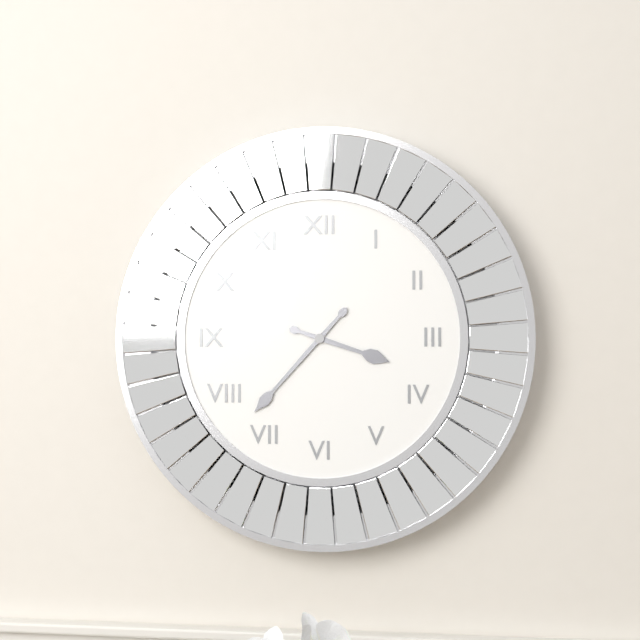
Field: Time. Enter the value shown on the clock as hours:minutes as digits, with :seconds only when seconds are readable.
3:37
